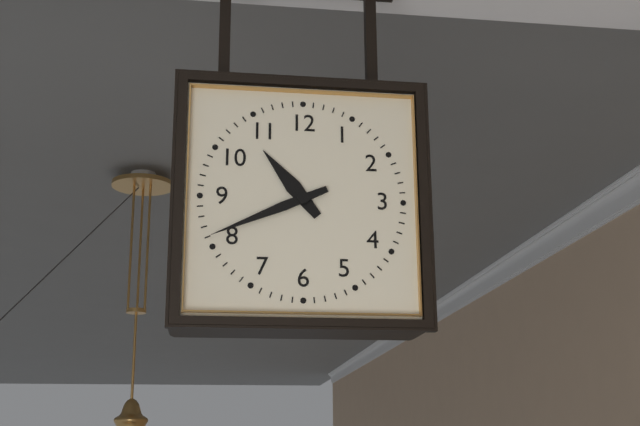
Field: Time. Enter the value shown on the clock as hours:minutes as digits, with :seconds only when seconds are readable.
10:41
